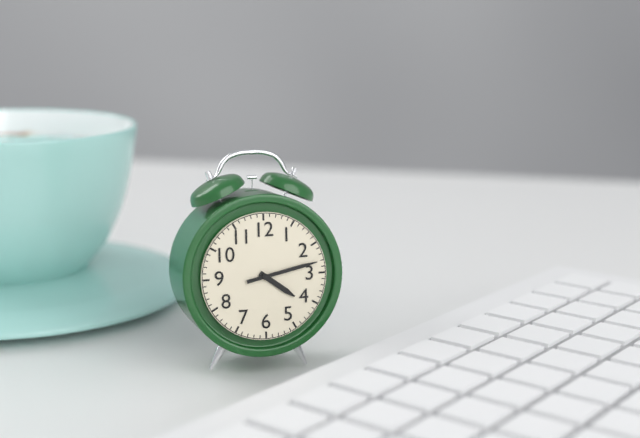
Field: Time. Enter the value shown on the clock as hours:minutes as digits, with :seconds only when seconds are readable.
4:13
